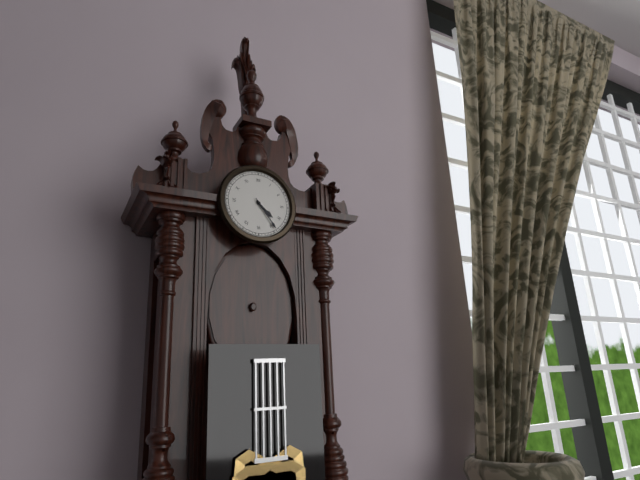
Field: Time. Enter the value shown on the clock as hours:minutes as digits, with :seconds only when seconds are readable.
4:24
